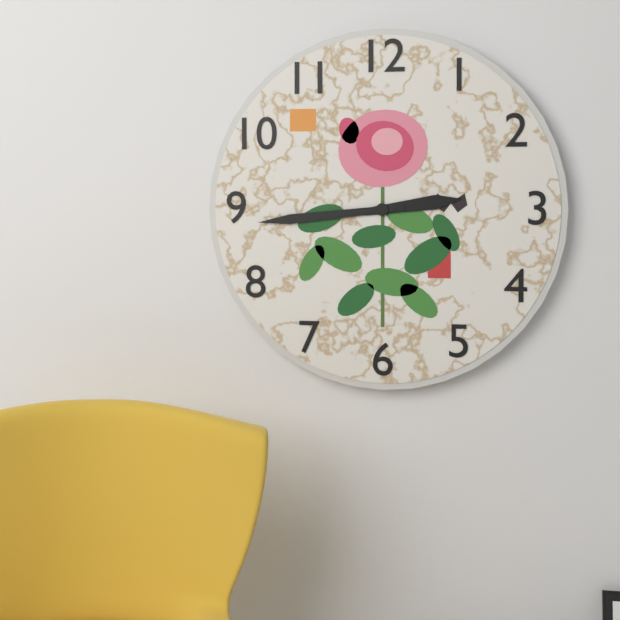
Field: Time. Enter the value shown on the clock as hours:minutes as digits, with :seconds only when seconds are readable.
2:44
